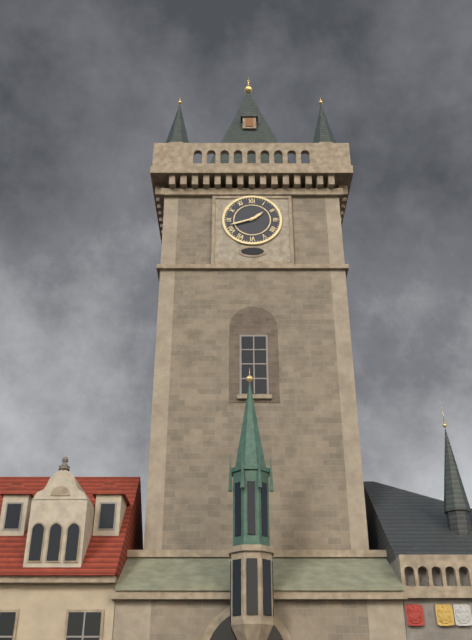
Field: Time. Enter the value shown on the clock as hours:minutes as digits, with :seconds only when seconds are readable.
1:42
